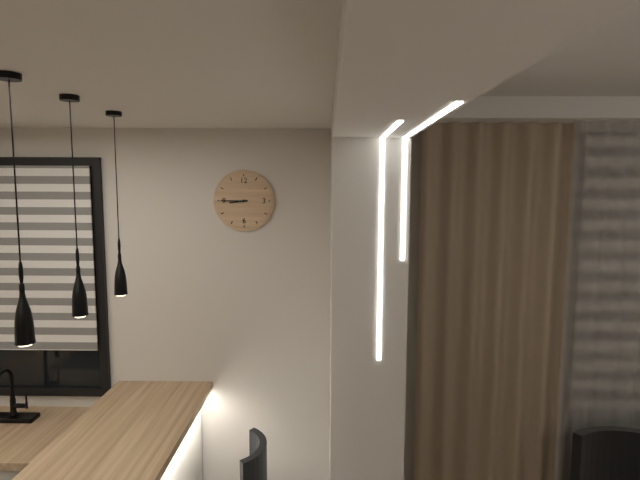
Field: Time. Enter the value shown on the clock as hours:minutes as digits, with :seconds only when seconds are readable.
8:45
